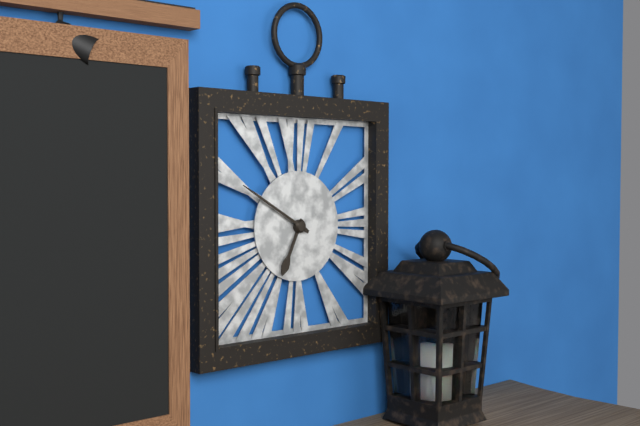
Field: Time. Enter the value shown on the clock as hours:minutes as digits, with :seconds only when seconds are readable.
6:50
